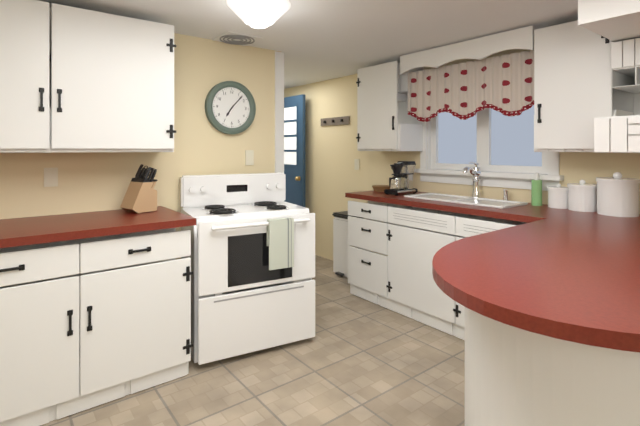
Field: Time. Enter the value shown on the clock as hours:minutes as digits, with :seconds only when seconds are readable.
7:07
